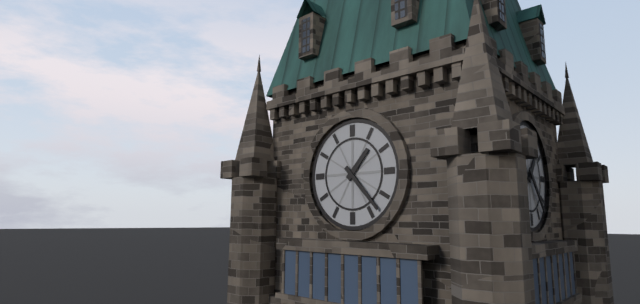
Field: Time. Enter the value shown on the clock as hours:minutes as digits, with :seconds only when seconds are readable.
1:23
